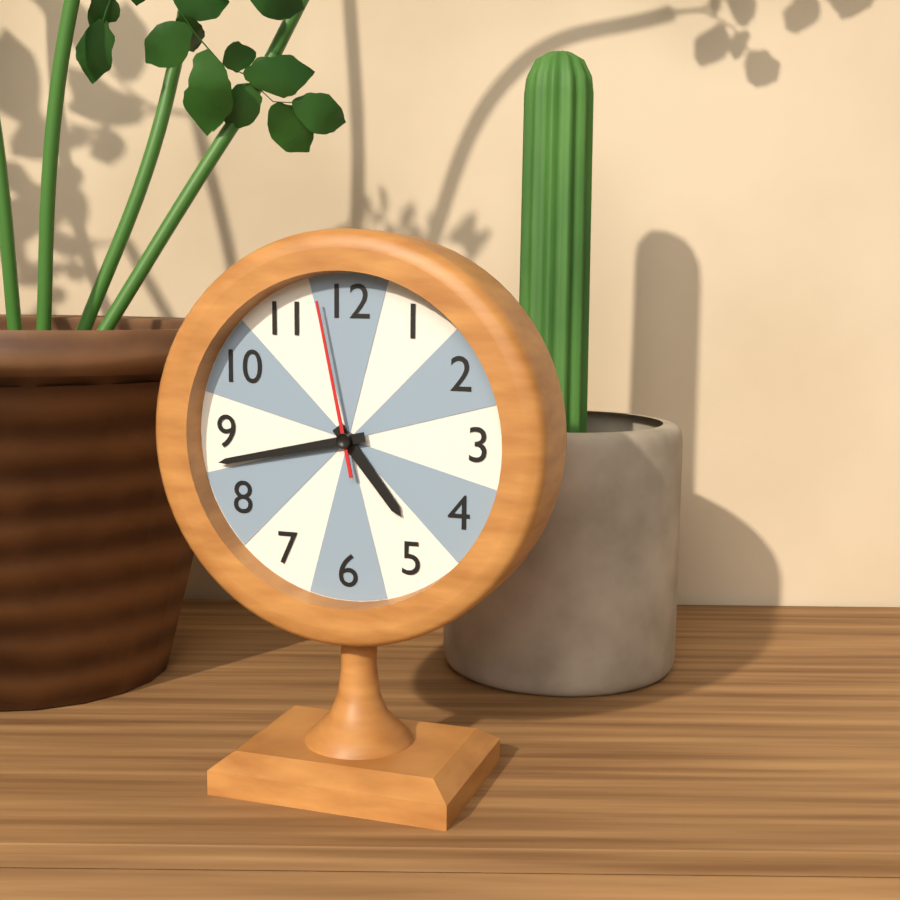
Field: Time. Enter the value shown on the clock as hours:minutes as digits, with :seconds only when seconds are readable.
4:43:58
